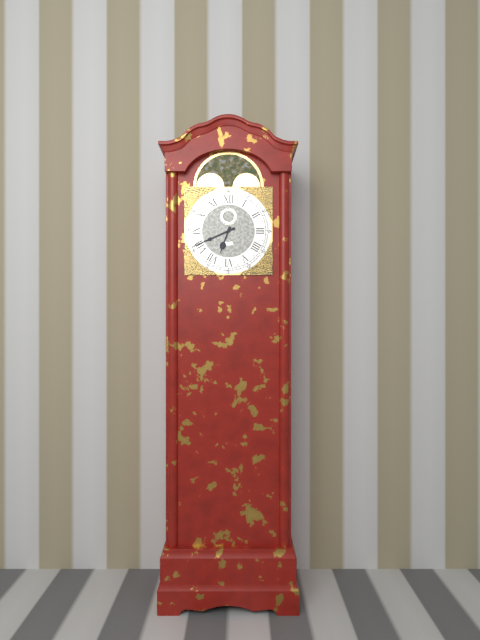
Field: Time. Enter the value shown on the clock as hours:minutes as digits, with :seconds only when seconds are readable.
6:41
